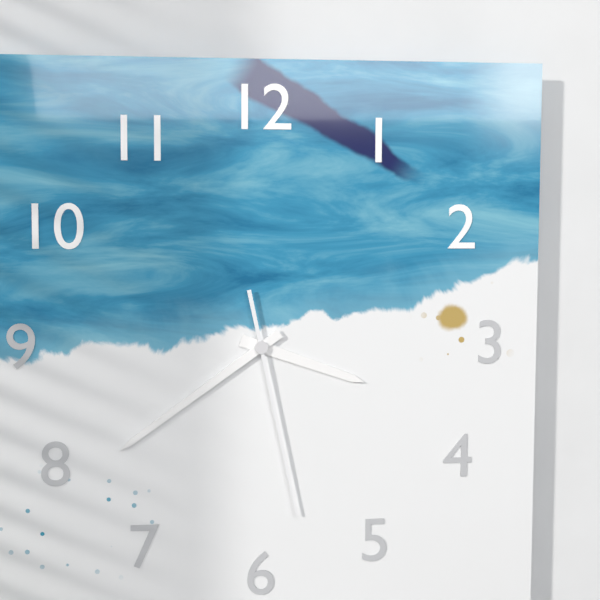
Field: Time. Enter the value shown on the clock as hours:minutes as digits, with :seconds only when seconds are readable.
3:39:28
